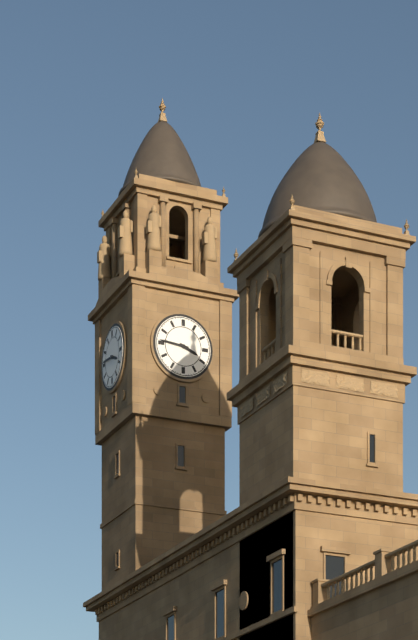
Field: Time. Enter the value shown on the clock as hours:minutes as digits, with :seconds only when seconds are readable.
3:46
